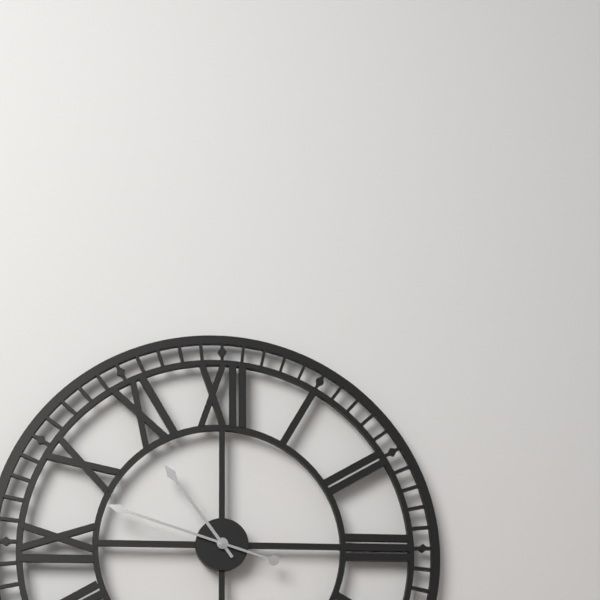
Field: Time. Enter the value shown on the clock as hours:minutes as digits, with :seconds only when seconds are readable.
10:48
